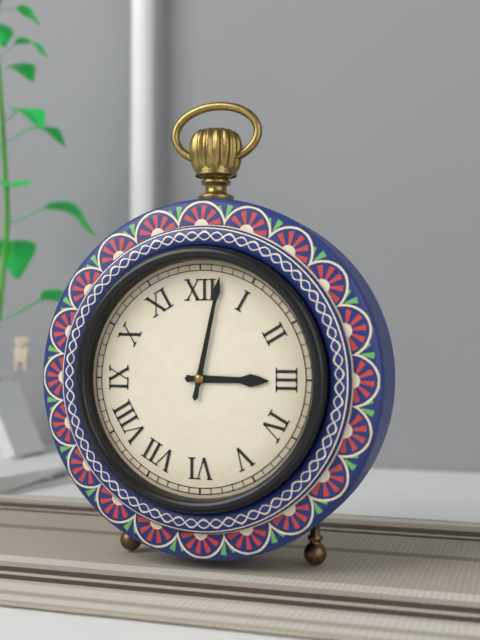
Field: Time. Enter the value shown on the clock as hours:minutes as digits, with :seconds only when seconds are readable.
3:02
